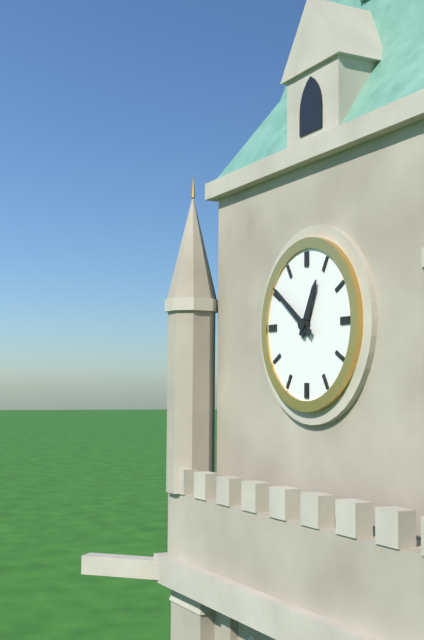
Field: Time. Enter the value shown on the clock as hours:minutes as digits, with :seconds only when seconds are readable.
12:51
